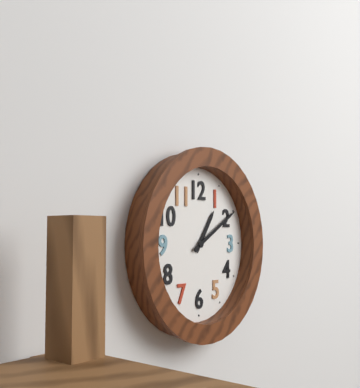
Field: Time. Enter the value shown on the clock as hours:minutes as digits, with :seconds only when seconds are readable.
1:10
